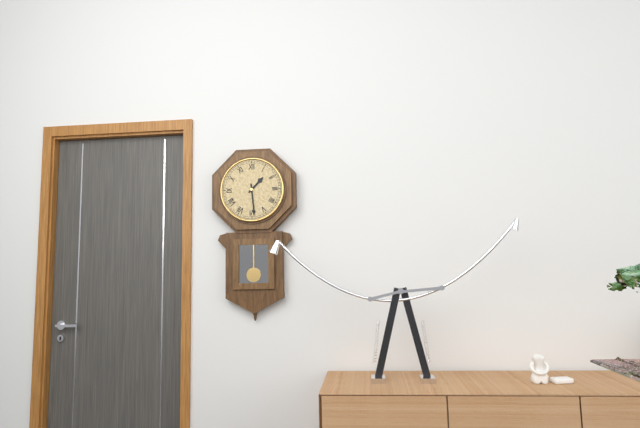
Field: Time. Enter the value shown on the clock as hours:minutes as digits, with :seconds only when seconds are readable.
1:29
